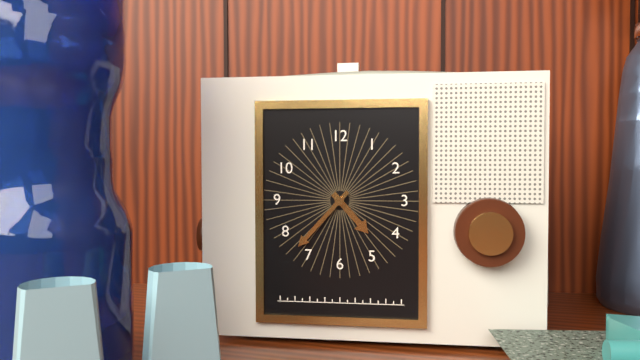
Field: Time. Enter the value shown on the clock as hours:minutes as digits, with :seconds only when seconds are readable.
4:37
